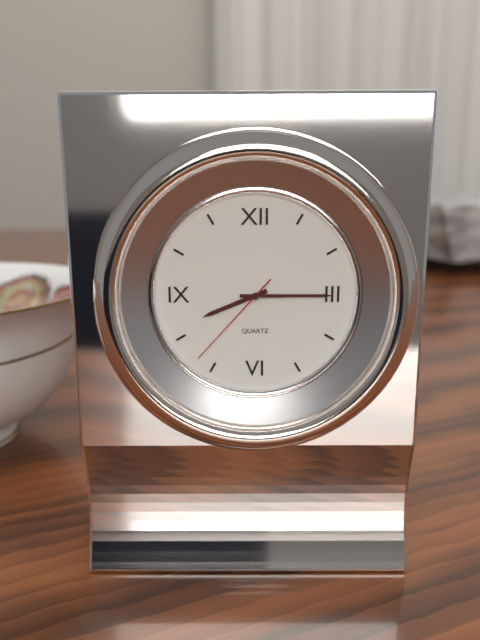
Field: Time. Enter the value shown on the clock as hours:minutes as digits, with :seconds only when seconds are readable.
8:15:37
